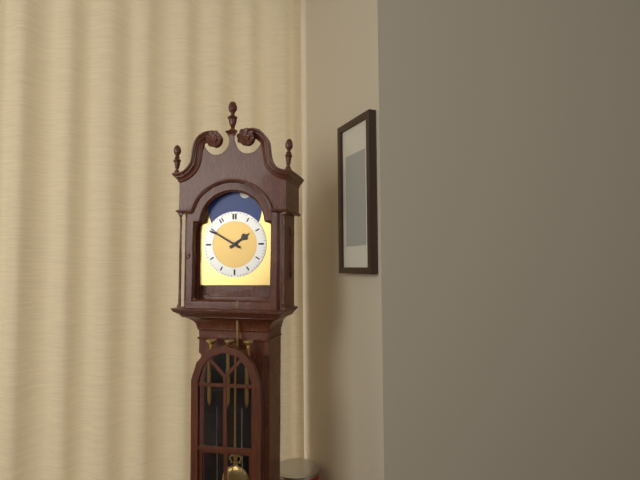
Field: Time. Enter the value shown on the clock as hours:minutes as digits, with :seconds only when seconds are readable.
1:50
